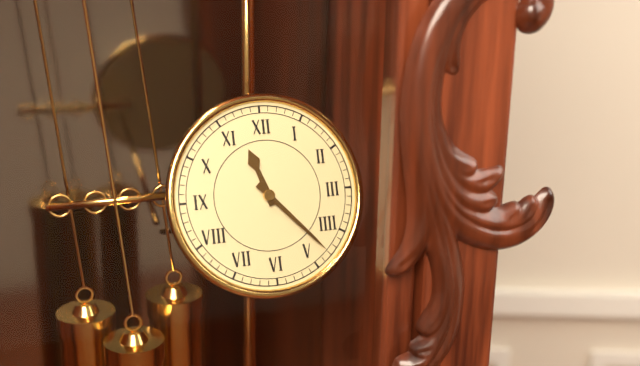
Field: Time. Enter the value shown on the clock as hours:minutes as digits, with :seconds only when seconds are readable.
11:23
